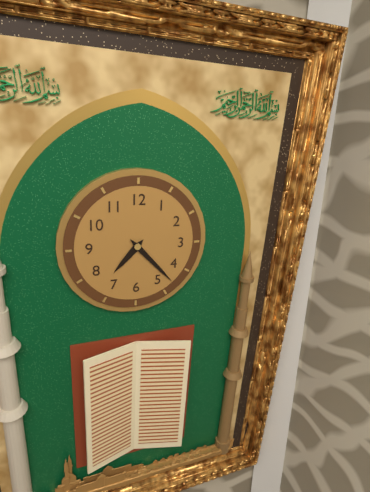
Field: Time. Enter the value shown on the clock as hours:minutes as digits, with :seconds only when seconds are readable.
7:23
